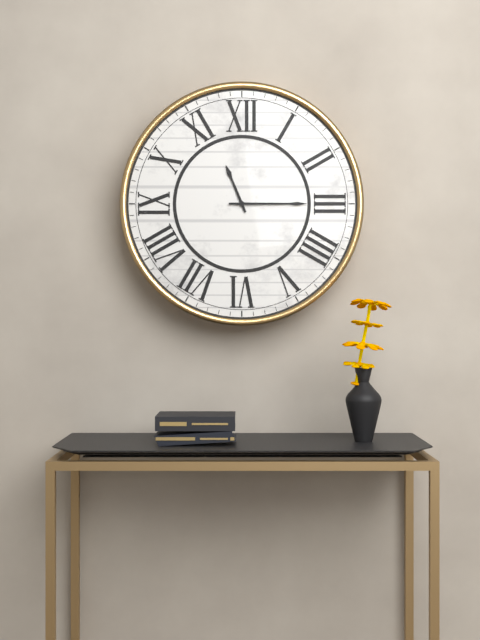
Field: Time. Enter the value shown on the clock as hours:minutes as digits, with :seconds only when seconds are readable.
11:15
